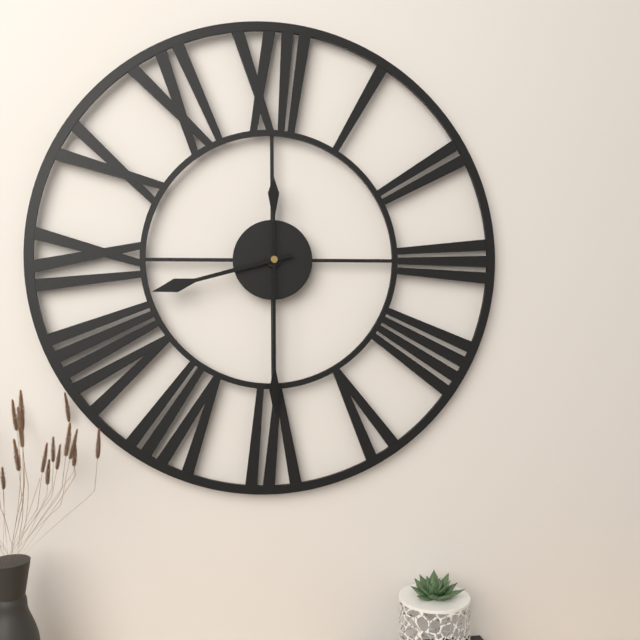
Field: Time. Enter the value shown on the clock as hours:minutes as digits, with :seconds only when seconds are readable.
8:30
